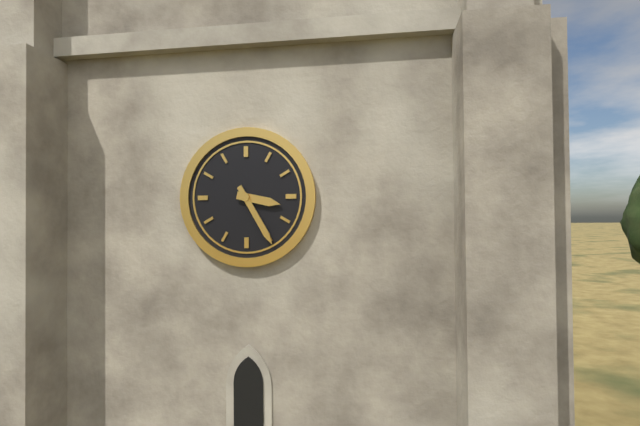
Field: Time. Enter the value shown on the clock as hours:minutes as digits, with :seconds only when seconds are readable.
3:25
